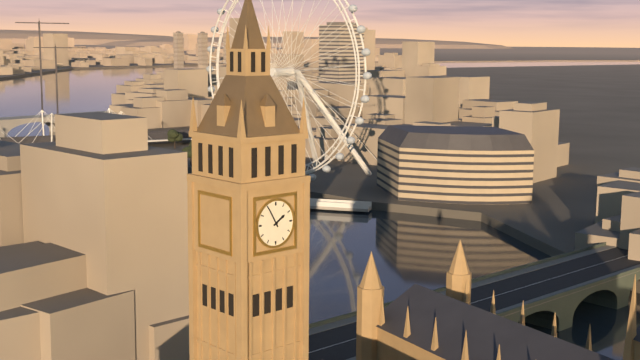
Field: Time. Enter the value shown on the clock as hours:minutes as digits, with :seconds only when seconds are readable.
1:55
